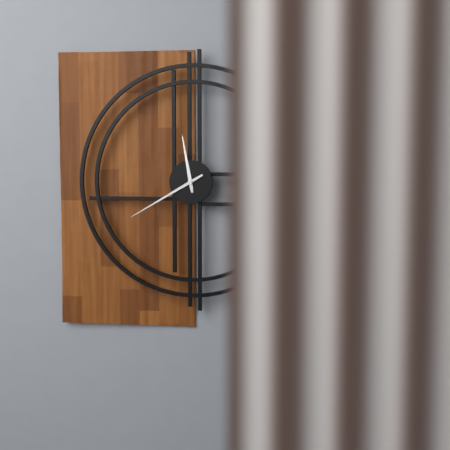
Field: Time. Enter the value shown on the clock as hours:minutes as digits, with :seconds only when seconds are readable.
11:40
